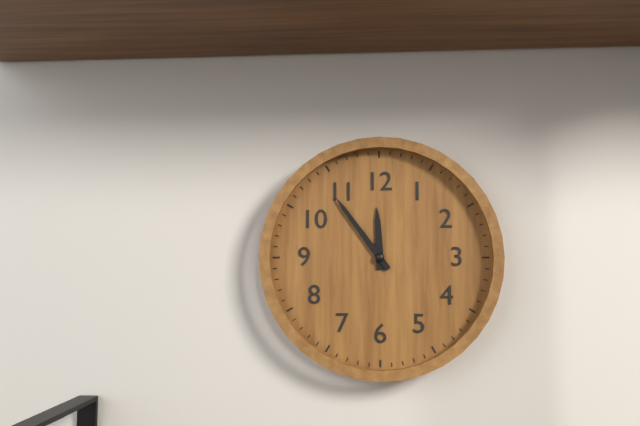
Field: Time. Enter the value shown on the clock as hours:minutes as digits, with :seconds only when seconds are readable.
11:54
